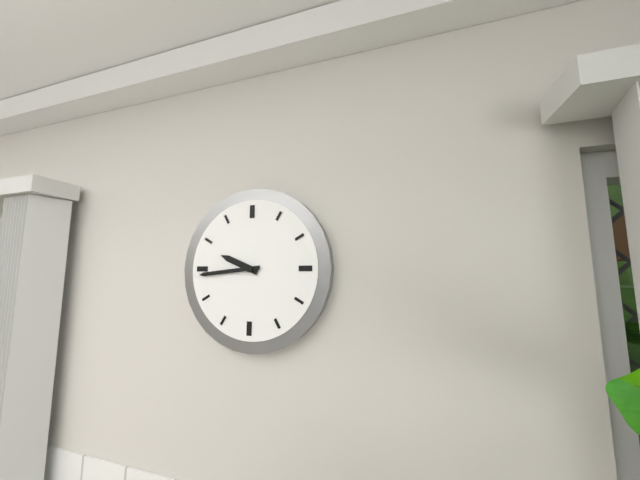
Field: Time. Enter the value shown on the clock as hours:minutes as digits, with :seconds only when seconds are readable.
9:44
